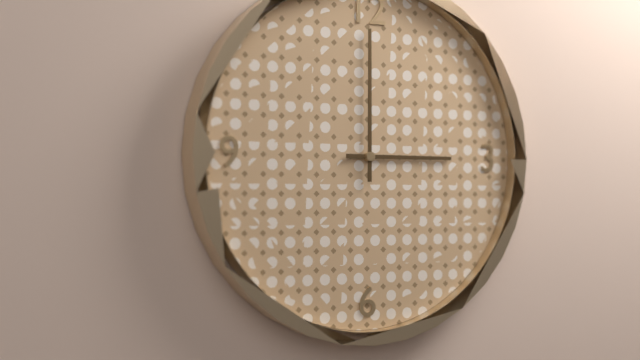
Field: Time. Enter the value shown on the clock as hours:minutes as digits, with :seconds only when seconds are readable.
3:00
